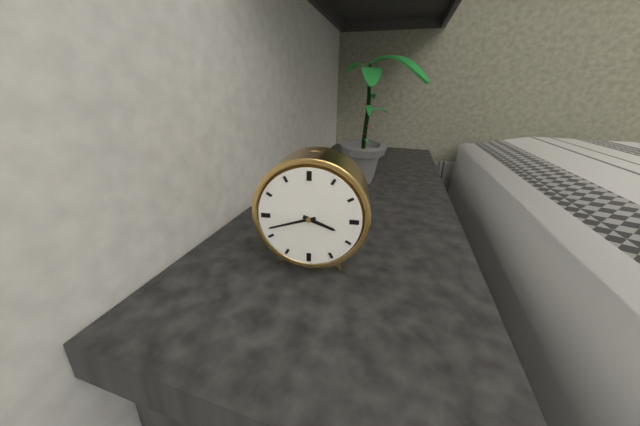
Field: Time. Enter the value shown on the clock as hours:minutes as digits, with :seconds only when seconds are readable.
3:42
